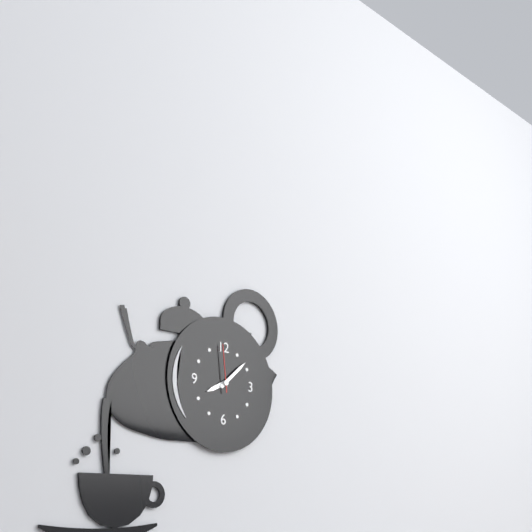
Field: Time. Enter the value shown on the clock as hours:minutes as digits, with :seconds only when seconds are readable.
8:08
